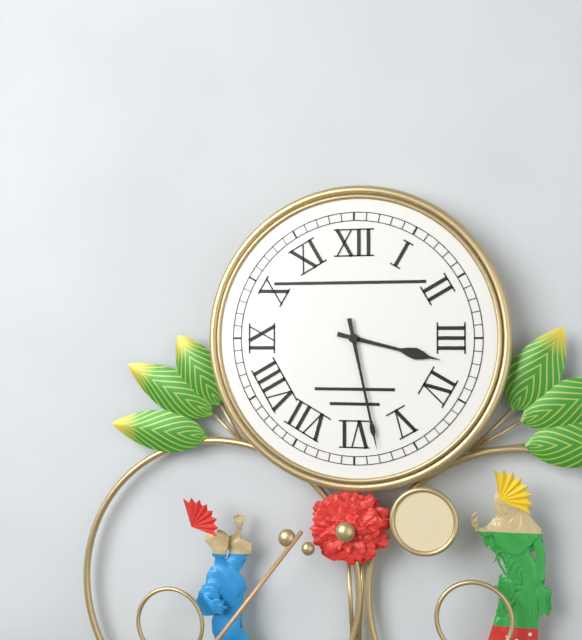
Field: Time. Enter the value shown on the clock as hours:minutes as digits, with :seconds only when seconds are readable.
3:28
